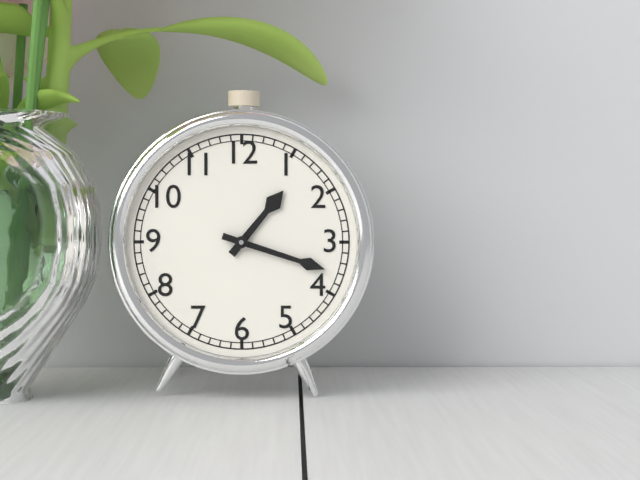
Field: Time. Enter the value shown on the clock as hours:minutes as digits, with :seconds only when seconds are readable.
1:18
